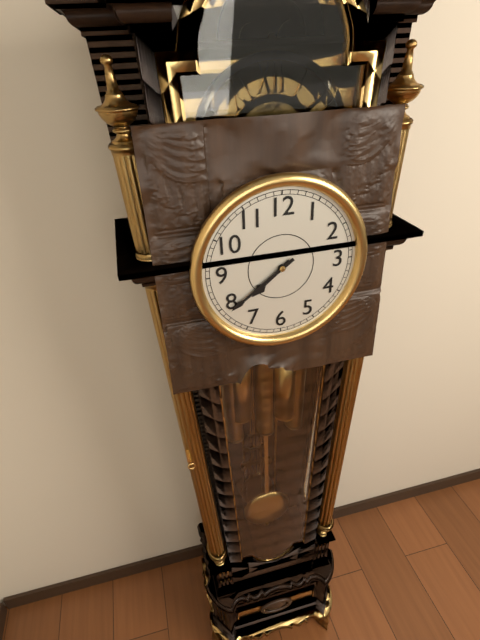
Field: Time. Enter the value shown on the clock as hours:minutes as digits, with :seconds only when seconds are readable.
7:39
